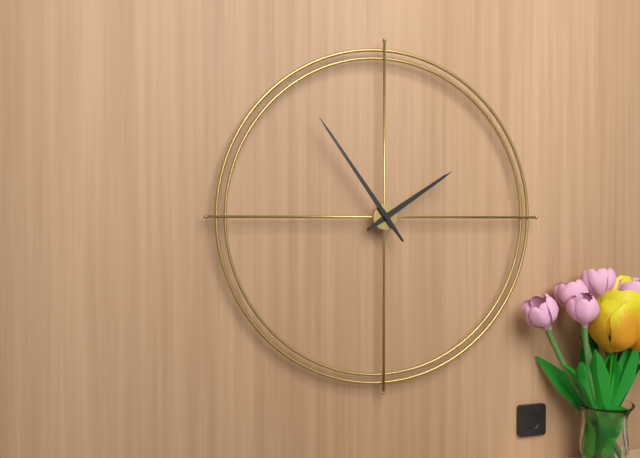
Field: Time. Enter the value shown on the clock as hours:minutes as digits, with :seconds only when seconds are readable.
1:54
